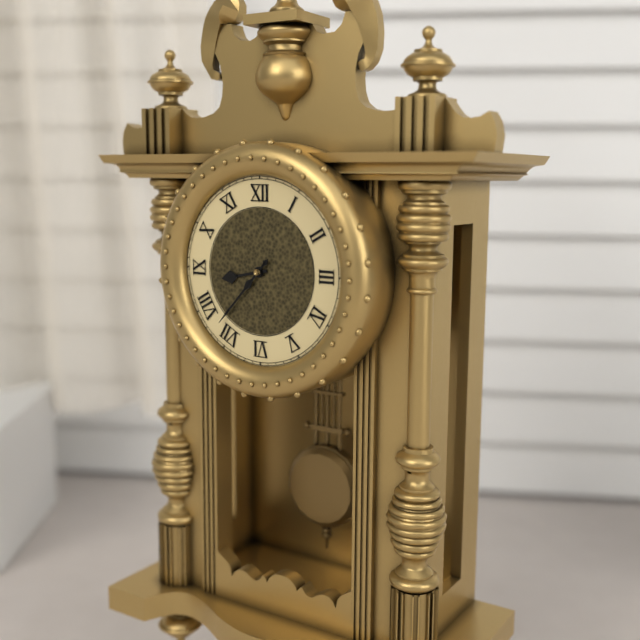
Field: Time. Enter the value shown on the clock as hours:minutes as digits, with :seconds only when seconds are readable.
8:37
